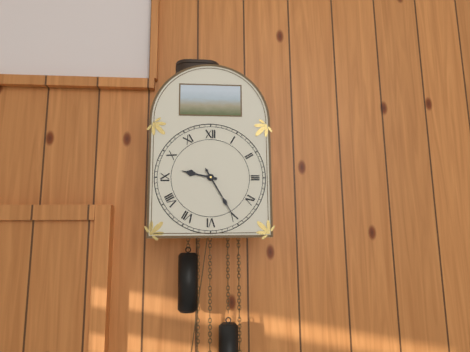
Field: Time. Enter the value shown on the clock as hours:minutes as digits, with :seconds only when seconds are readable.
9:25
